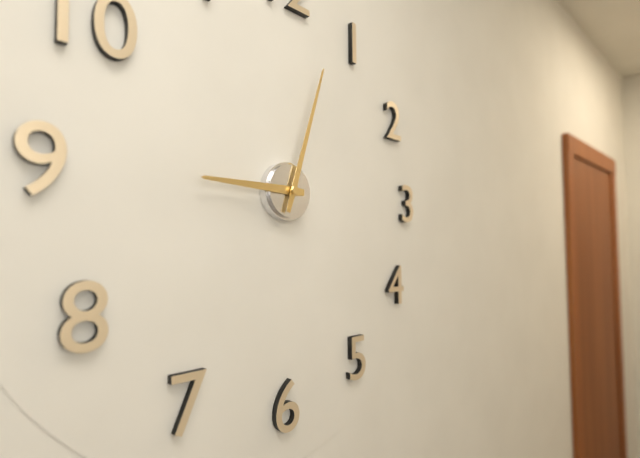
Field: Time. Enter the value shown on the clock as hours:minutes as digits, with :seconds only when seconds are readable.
9:03
